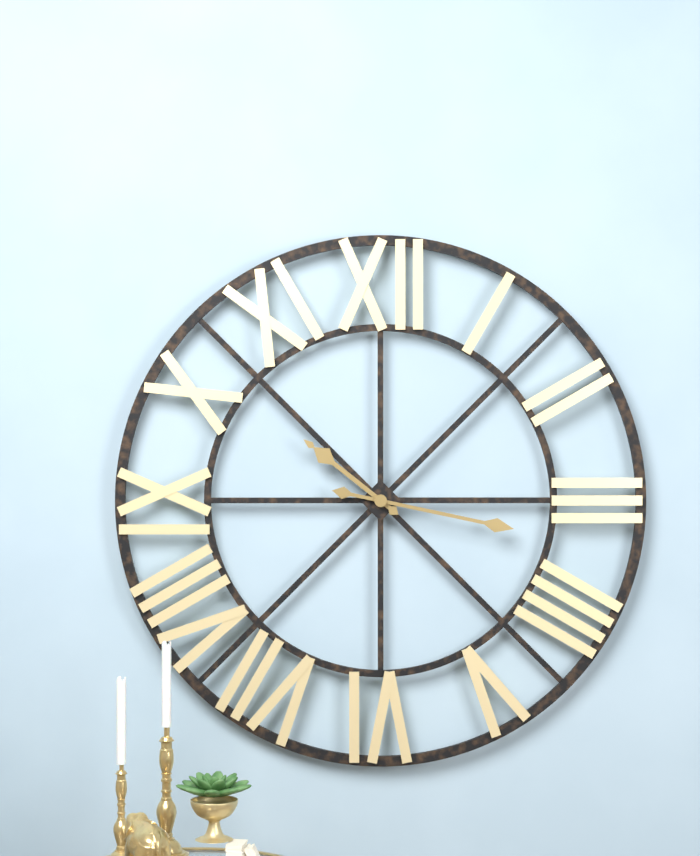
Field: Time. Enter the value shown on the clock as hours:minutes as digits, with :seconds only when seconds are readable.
10:17
